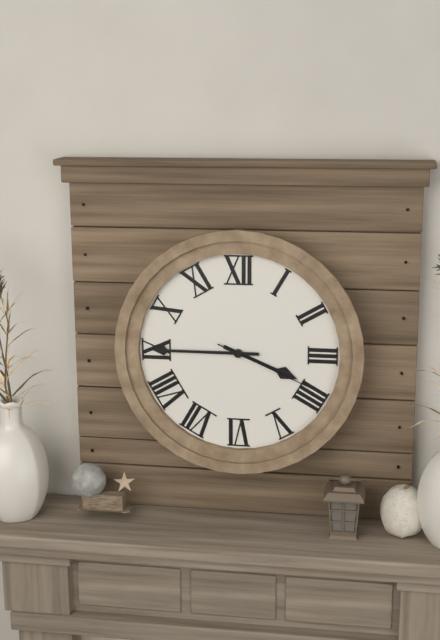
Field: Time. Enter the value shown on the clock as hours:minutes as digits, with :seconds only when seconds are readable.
3:45:19
